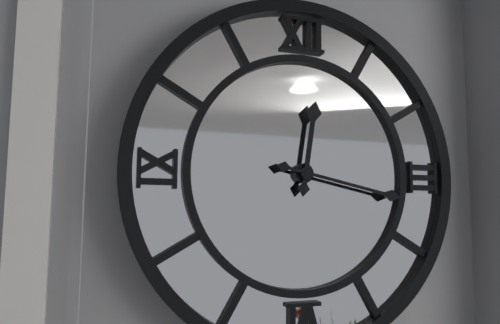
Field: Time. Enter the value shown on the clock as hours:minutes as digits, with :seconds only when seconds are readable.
12:17
